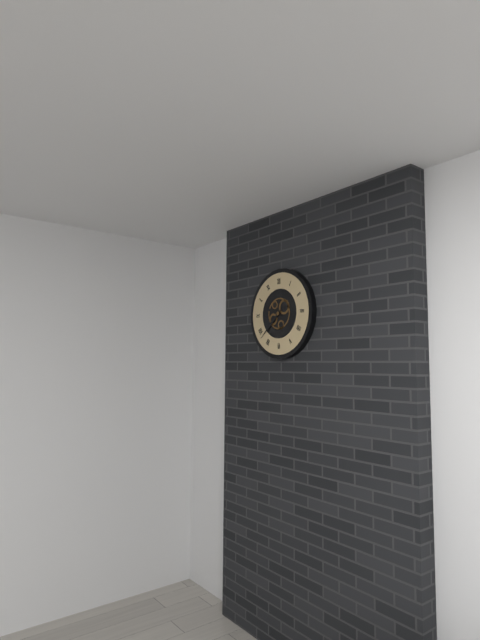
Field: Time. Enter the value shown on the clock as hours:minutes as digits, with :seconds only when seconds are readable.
9:38
